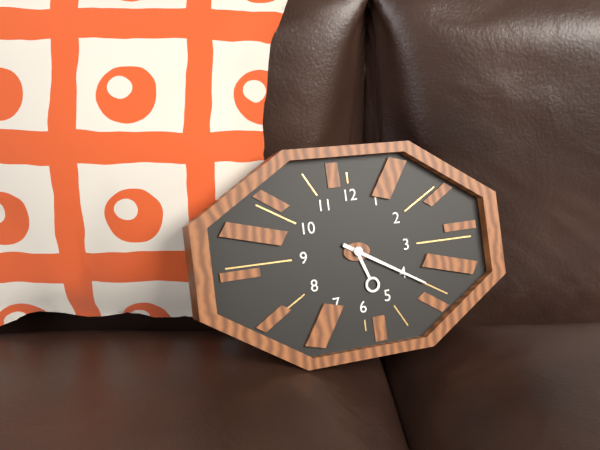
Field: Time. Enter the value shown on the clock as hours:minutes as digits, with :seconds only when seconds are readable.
5:20
